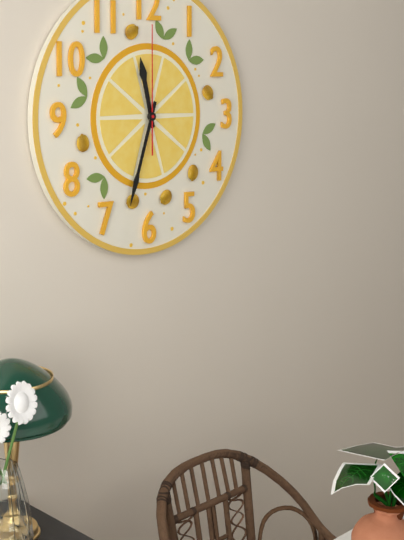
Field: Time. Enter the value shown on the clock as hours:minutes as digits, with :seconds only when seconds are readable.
11:33:00
